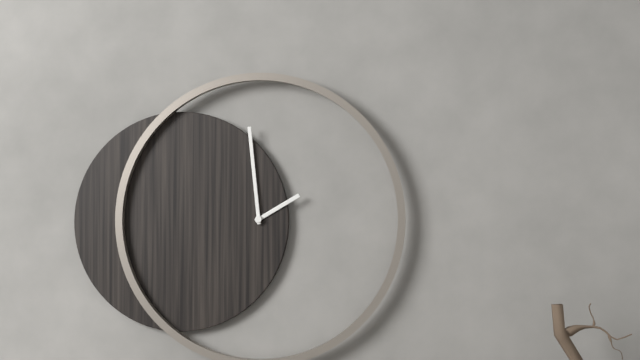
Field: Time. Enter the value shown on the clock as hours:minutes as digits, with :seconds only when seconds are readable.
1:59
